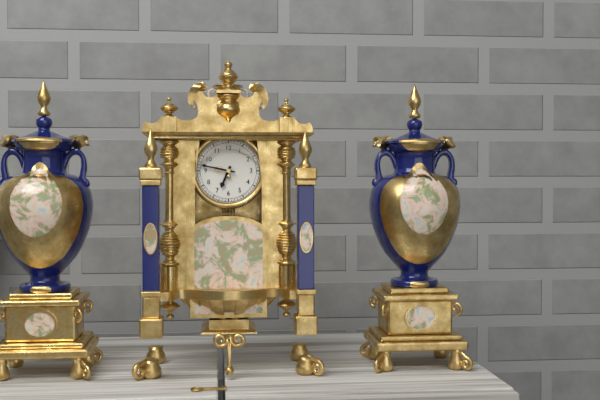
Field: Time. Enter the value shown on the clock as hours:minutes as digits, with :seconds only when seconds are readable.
6:47
